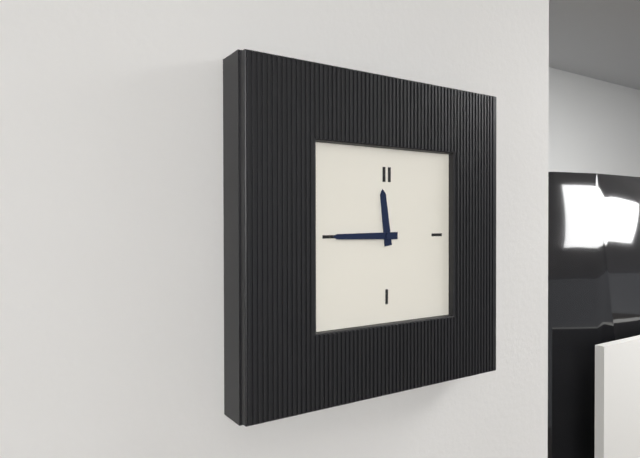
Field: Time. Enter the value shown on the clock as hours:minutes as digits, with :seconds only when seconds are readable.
11:45
